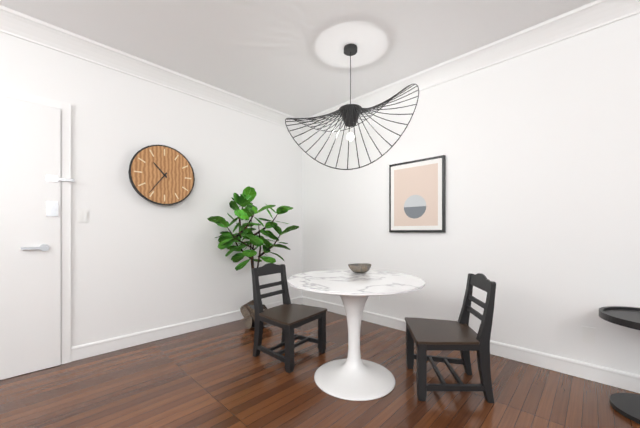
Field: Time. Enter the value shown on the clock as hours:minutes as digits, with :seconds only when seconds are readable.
10:36
